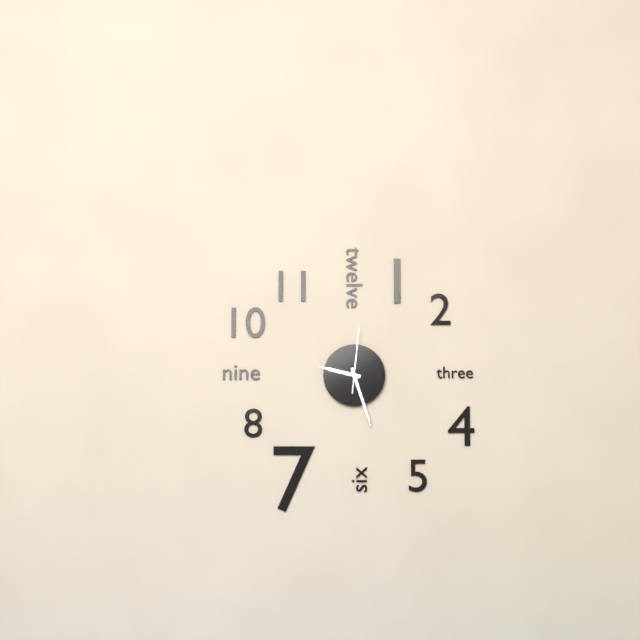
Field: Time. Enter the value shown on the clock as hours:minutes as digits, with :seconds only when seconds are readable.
9:27:01
